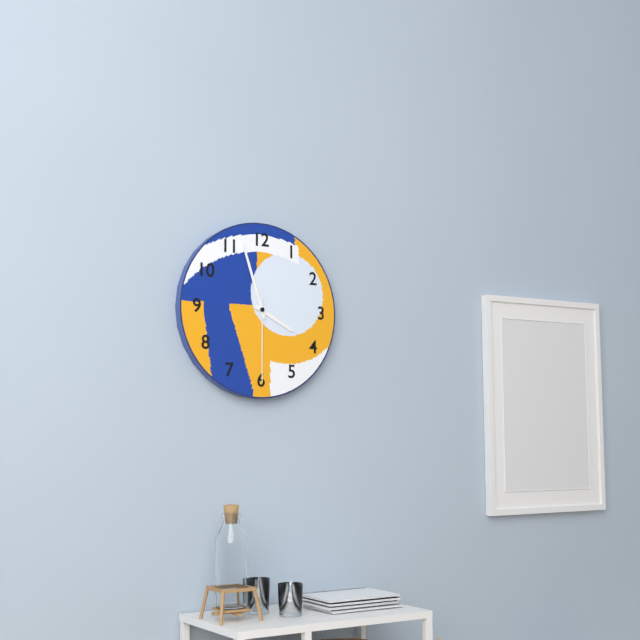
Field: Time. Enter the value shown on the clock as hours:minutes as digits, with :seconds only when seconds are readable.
3:57:30
